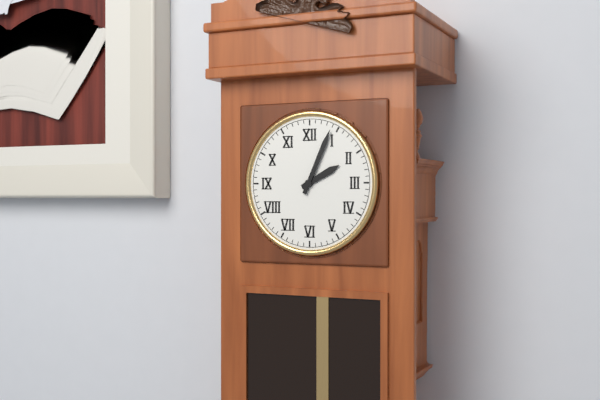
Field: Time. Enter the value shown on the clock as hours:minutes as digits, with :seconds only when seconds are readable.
2:04
